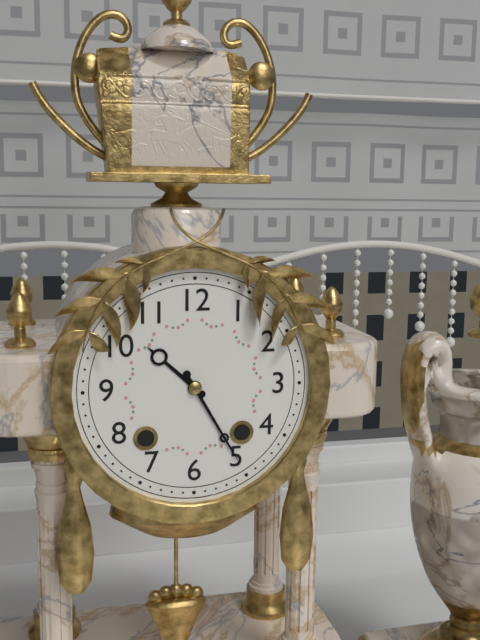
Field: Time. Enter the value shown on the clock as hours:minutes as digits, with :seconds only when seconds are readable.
10:25
